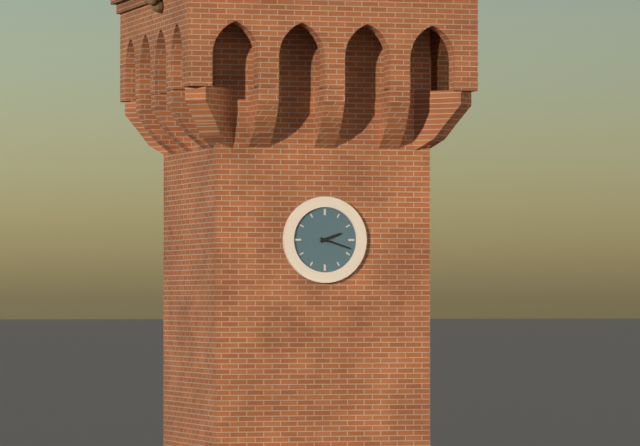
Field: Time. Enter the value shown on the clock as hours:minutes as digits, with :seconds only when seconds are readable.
2:18
